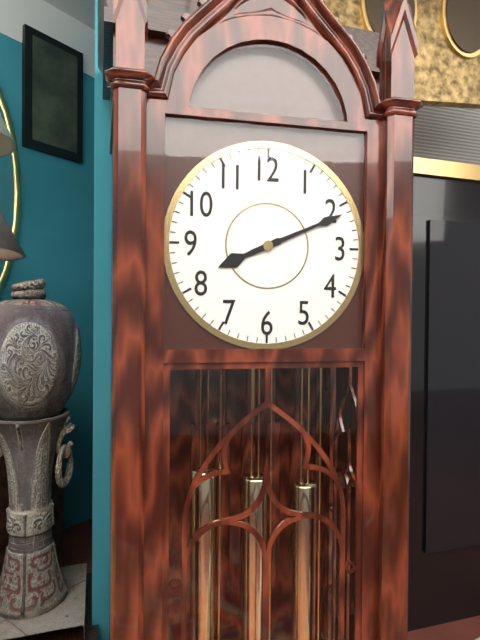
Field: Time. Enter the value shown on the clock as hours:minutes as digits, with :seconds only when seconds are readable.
8:11
